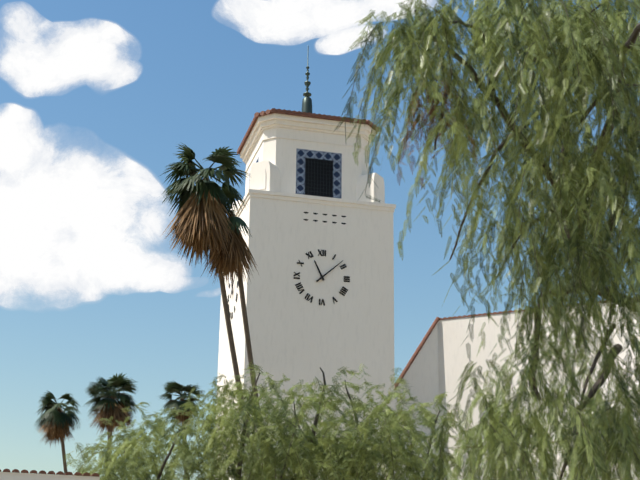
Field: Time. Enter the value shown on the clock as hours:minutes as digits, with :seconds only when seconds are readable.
11:08
